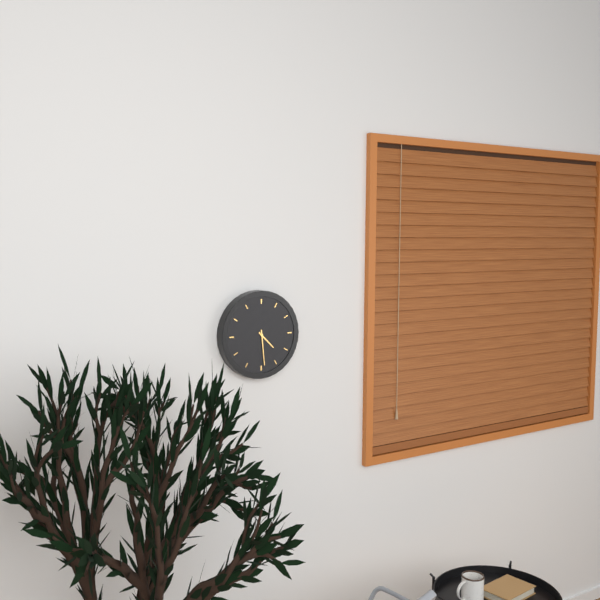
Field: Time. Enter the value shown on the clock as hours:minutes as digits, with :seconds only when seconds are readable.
4:29
